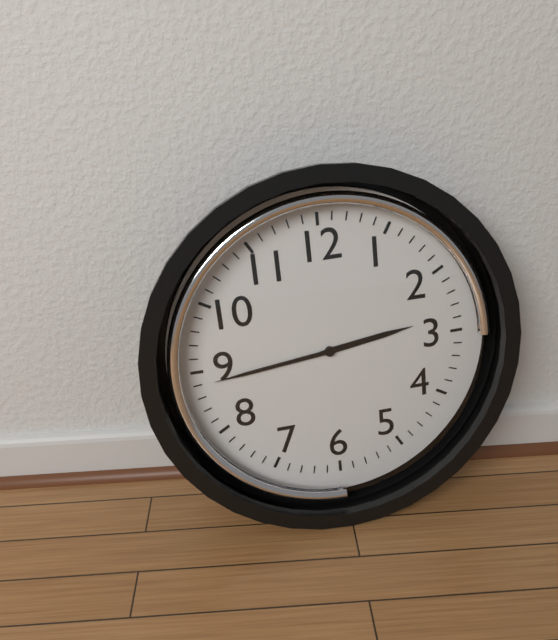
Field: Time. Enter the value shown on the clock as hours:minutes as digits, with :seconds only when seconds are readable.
2:44
